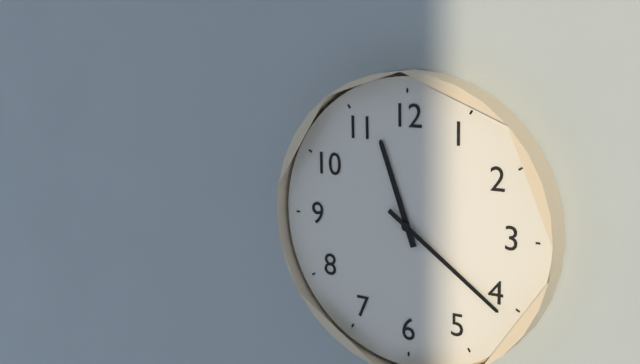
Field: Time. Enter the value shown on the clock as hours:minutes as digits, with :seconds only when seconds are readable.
11:21
